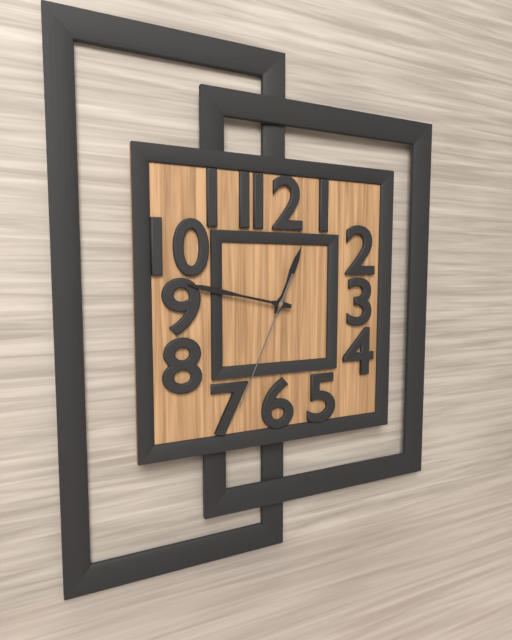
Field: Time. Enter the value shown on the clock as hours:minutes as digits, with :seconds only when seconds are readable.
12:47:34
